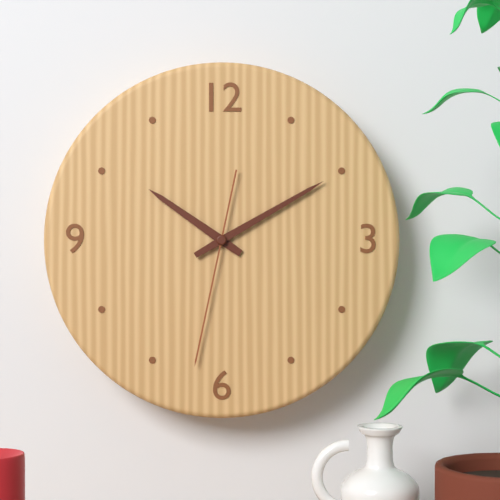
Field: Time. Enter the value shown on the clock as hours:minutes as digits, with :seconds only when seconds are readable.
10:10:32
